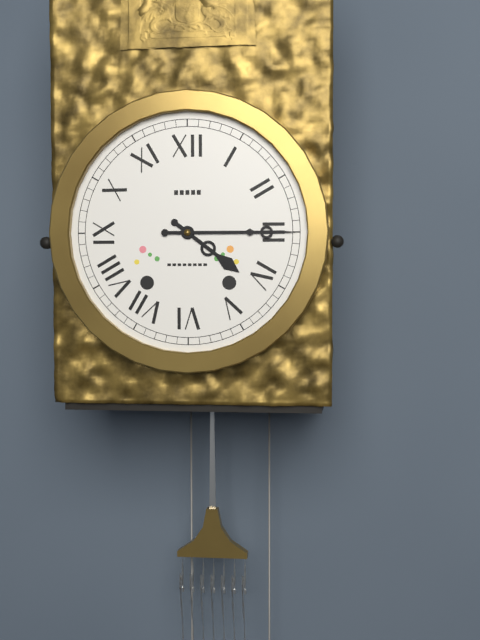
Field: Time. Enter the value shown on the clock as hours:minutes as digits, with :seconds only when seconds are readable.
4:15
